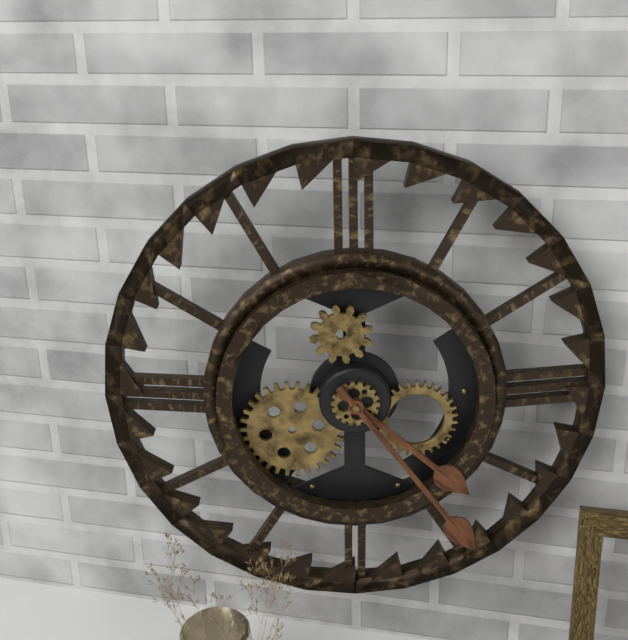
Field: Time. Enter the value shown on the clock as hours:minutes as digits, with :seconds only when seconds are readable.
4:24
